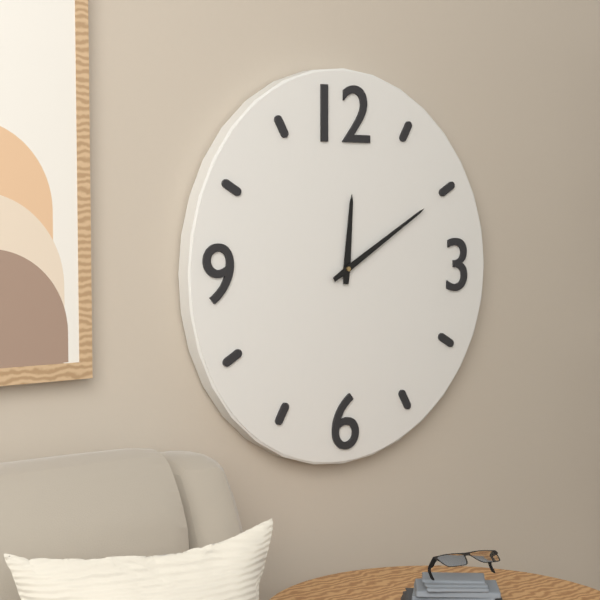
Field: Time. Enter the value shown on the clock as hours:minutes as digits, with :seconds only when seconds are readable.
12:10
